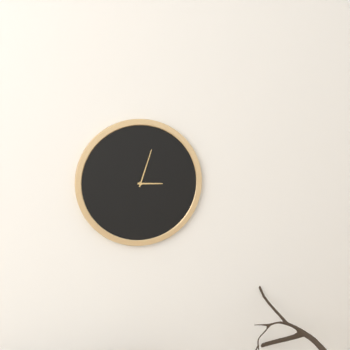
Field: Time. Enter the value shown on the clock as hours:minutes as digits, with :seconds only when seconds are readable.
3:03
